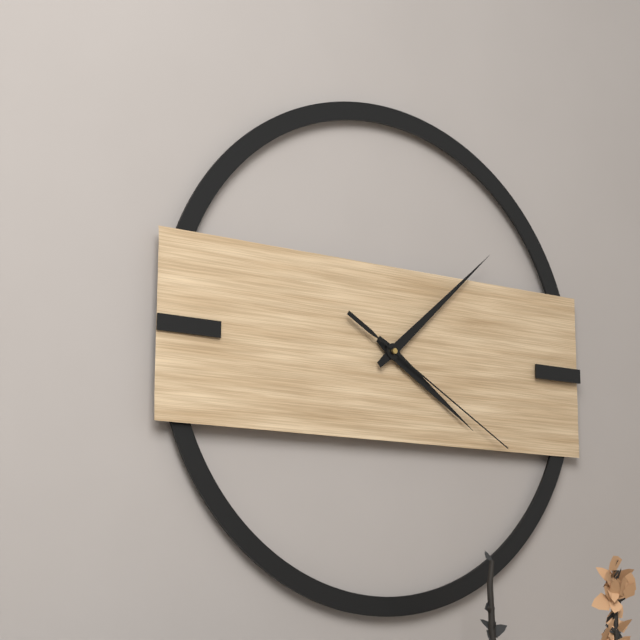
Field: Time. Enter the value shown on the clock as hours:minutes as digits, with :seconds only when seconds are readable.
4:08:20
